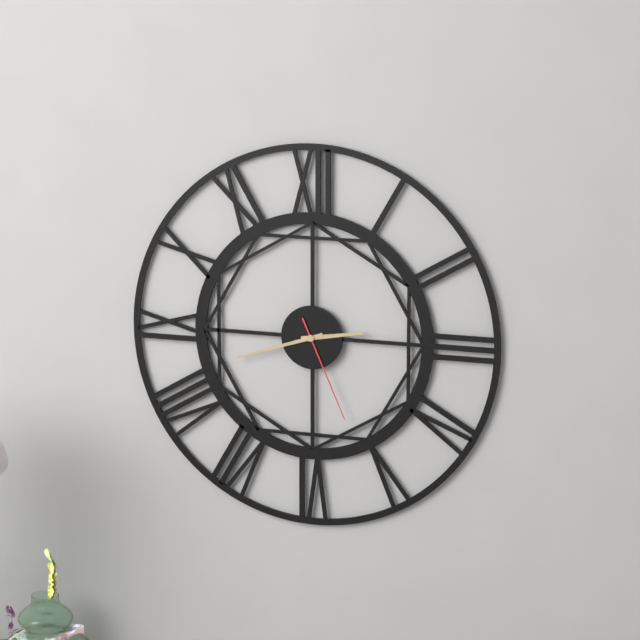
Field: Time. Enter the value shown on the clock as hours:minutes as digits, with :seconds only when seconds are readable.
2:42:26
